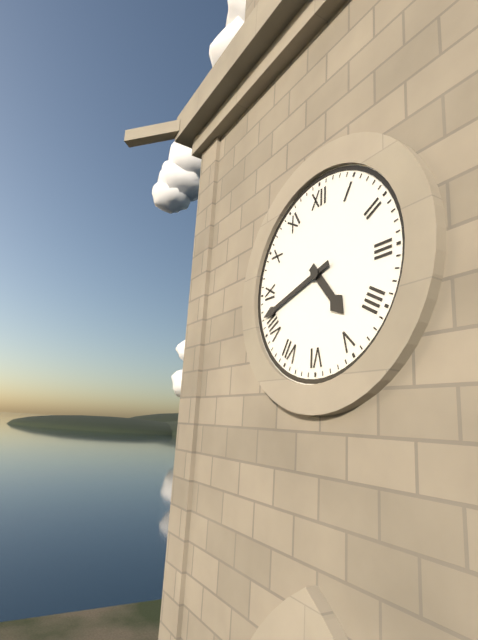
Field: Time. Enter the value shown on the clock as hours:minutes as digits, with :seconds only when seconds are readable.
4:42
